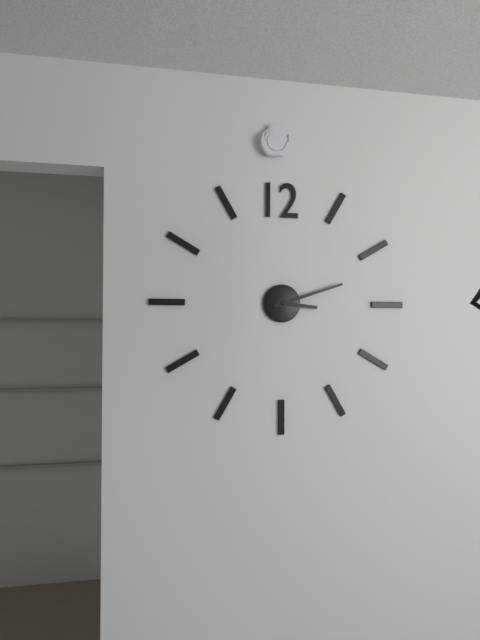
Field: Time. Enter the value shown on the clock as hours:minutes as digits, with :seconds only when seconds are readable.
3:12
